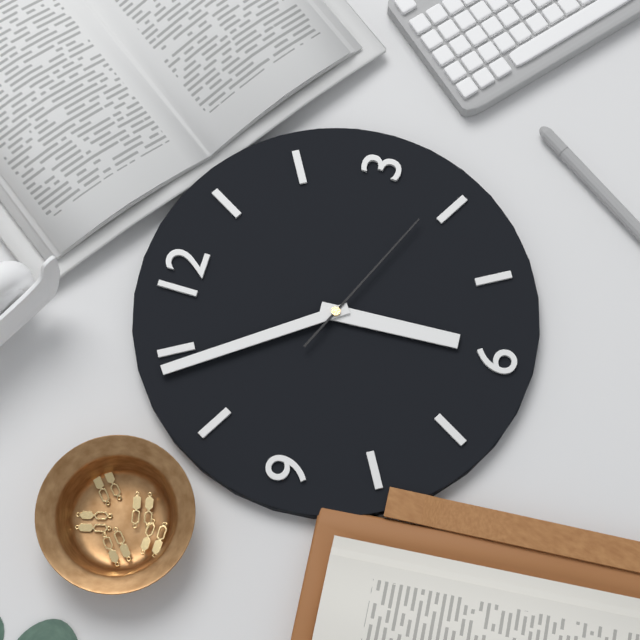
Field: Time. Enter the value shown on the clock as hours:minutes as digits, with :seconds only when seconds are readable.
5:54:19
